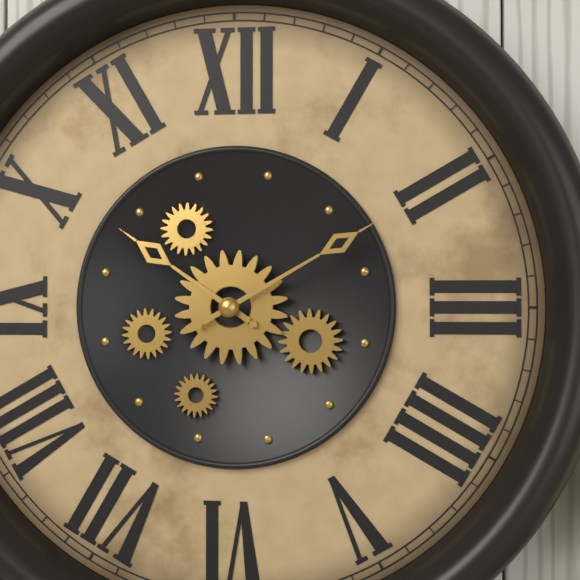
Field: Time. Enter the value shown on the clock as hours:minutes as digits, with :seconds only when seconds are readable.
10:10
